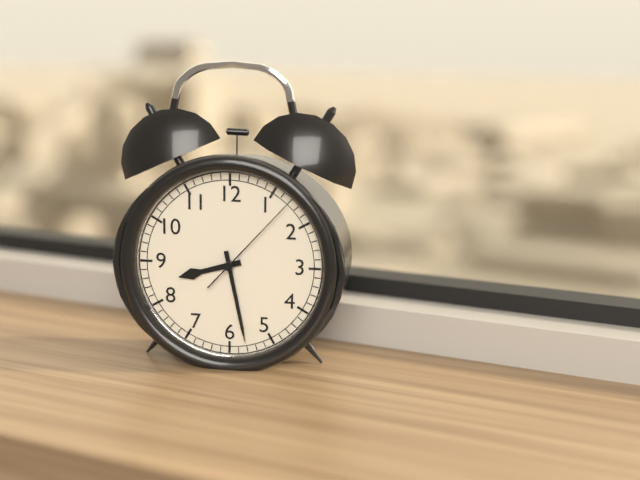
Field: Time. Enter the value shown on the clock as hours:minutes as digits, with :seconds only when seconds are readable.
8:28:07
